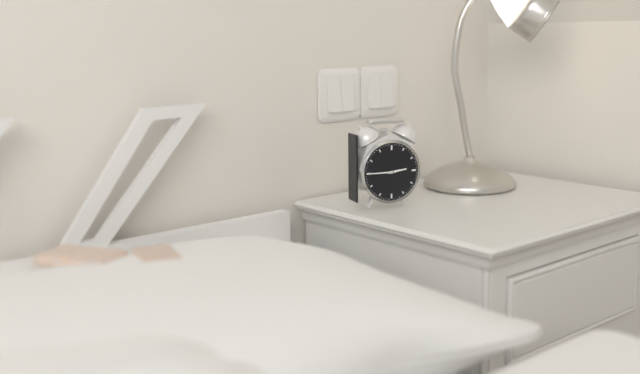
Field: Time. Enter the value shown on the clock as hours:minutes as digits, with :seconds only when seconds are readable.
2:45
